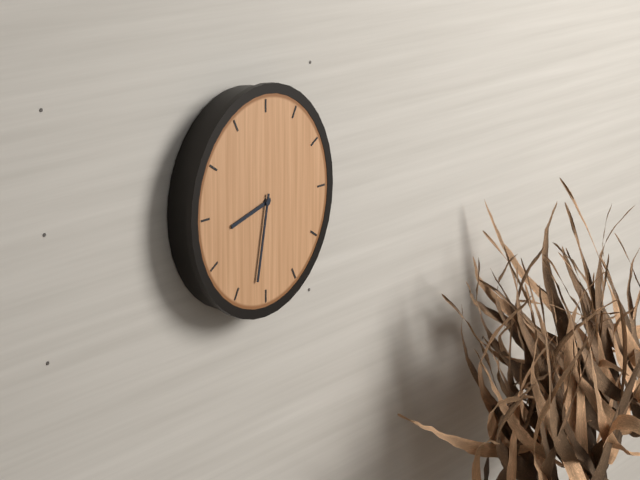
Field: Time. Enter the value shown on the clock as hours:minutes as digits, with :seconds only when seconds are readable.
8:32
